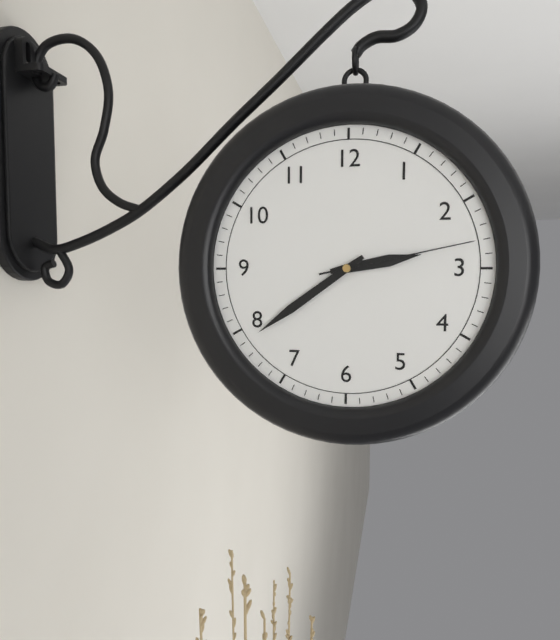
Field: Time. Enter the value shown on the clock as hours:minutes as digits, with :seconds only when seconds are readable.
2:39:13
